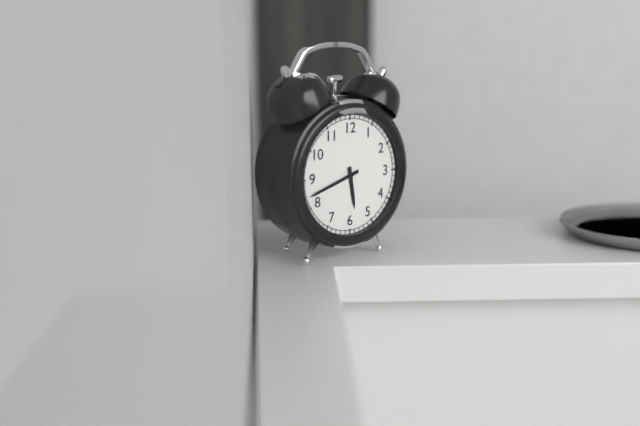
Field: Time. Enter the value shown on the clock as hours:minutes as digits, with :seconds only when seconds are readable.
5:42
